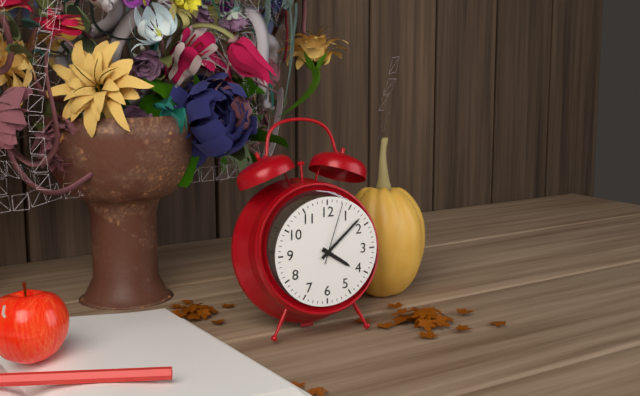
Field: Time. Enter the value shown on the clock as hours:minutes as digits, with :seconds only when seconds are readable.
4:08:03
